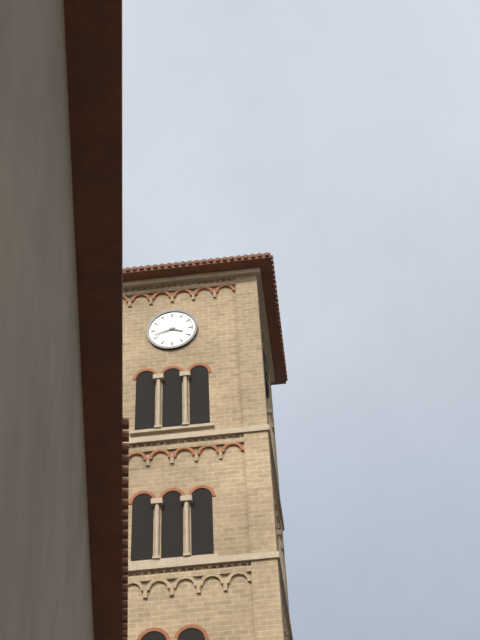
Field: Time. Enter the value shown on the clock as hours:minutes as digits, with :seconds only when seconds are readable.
3:42
